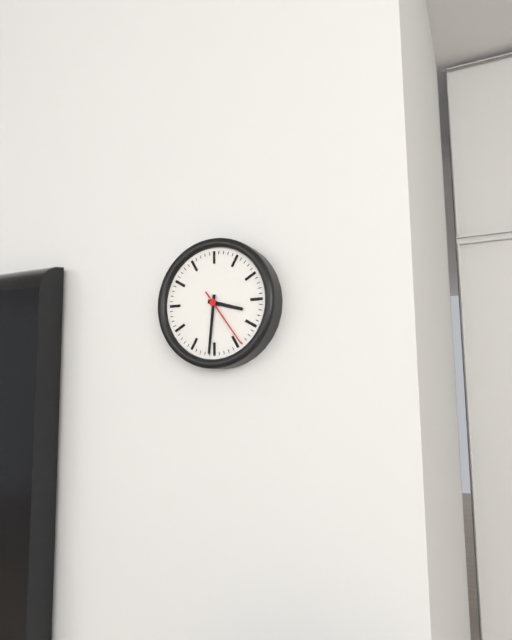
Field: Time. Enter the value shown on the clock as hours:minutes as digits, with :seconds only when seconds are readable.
3:31:24
